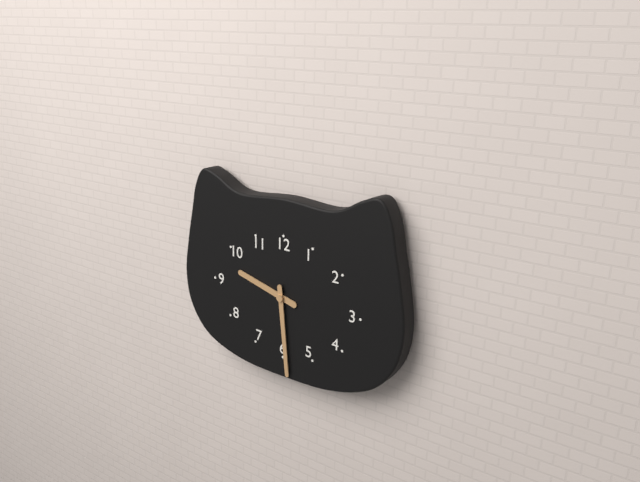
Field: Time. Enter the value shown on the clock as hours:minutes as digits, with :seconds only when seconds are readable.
9:29
